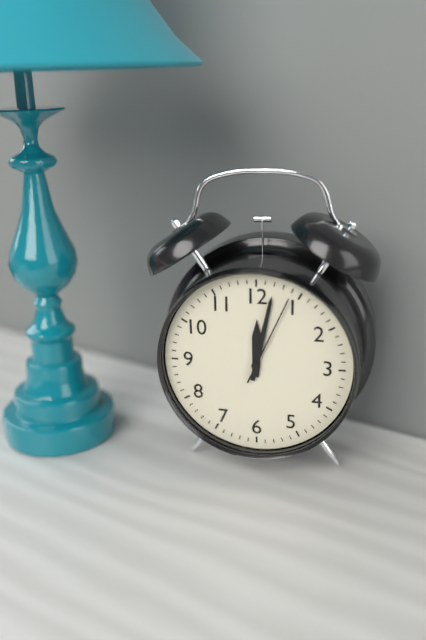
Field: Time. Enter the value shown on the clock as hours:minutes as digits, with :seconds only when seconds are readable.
12:02:04
